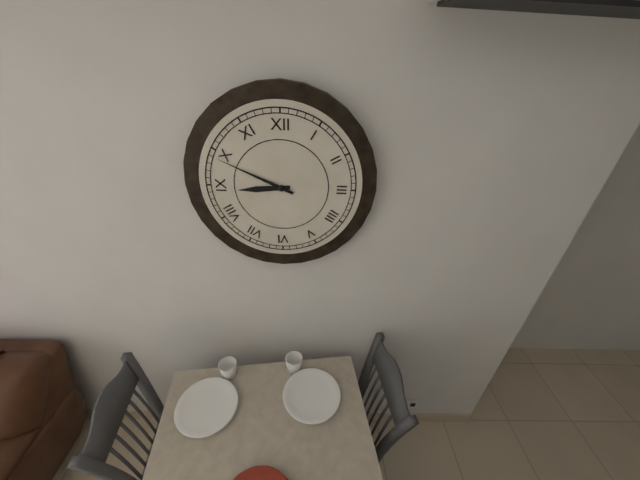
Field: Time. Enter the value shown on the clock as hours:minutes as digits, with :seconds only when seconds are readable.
8:49
